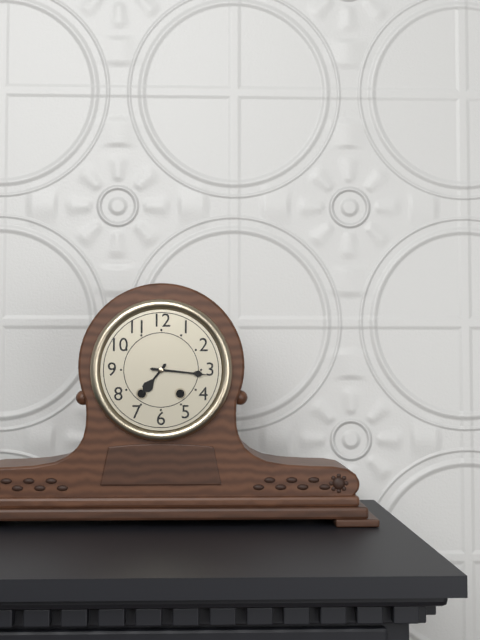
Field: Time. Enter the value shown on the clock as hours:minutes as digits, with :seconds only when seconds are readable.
7:16
